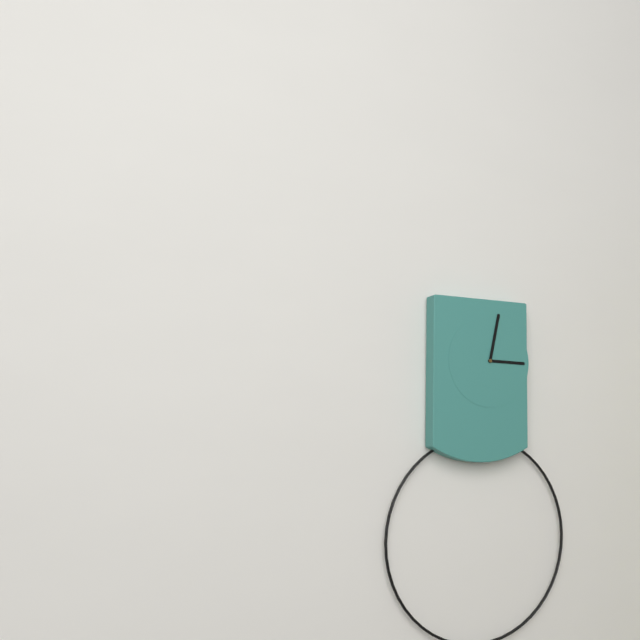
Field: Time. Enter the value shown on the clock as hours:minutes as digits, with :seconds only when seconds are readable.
3:02
